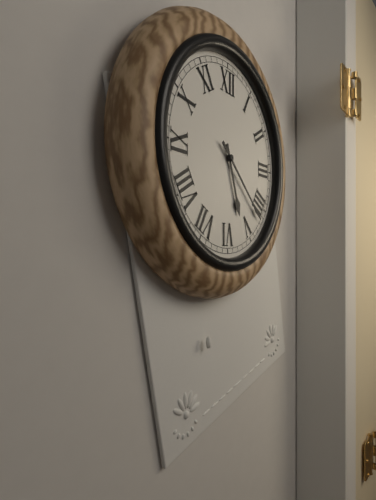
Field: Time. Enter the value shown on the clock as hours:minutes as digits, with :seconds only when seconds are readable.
5:22
